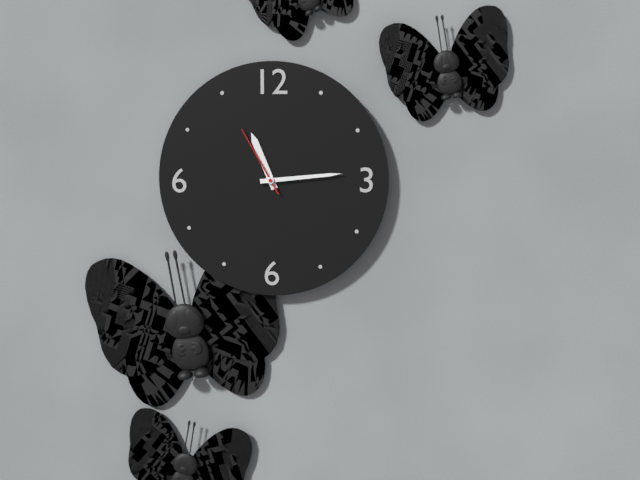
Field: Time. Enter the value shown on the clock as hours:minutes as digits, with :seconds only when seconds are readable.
11:14:55
